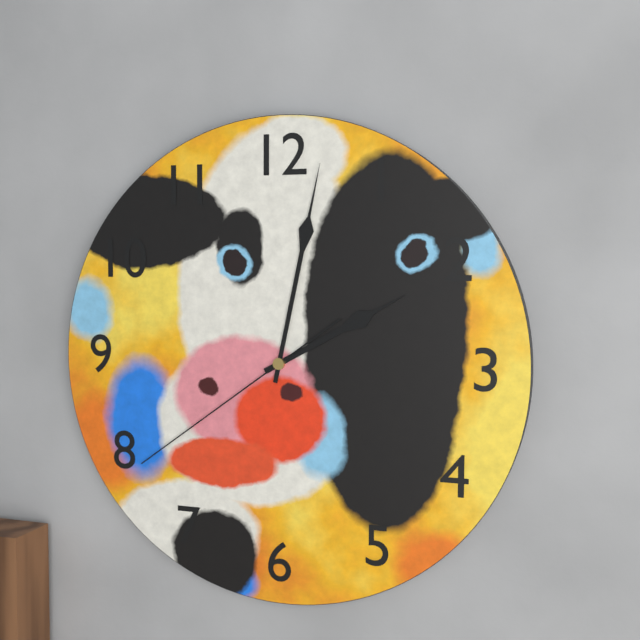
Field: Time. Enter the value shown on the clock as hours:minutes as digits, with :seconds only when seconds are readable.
2:02:39
